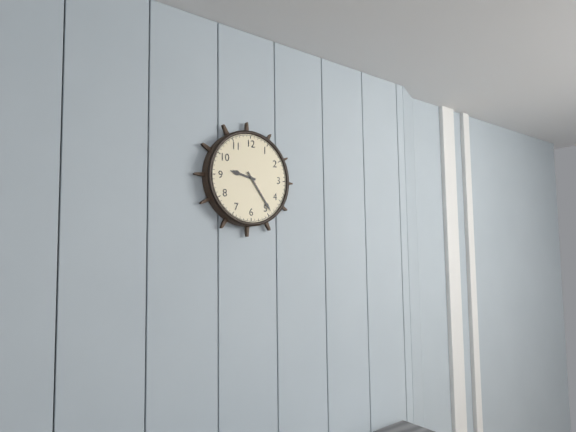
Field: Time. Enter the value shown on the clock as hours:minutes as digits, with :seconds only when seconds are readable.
9:24
